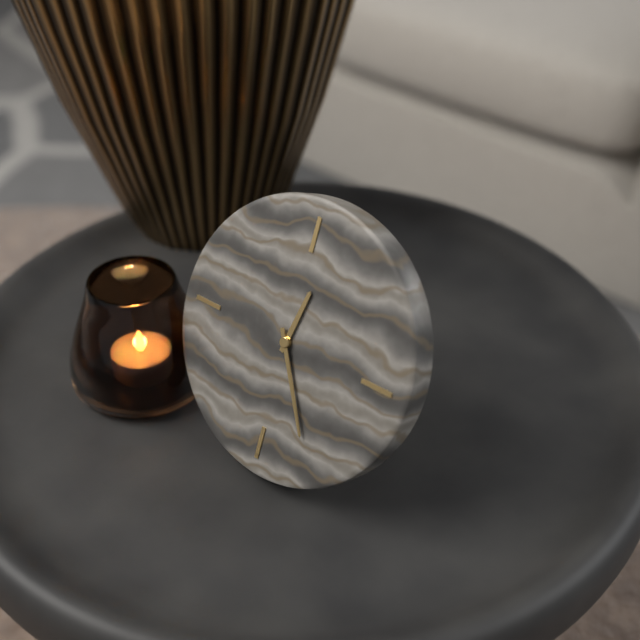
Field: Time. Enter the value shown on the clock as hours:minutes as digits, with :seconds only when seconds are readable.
12:25
